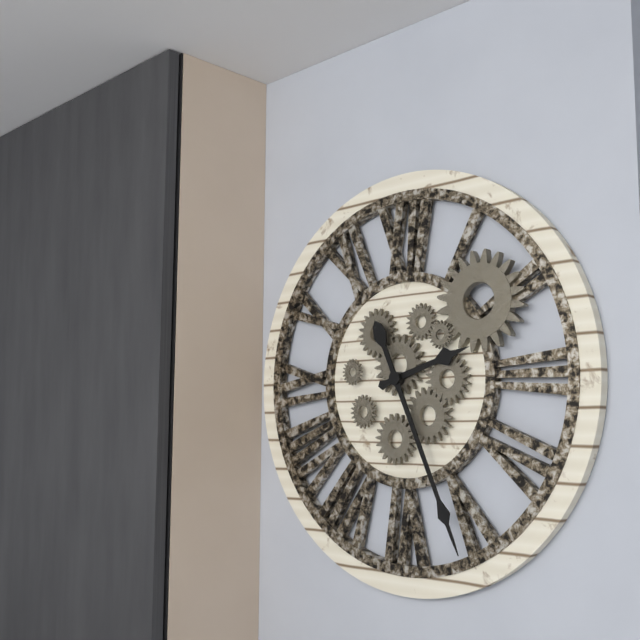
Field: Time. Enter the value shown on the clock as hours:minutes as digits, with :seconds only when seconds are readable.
2:26
